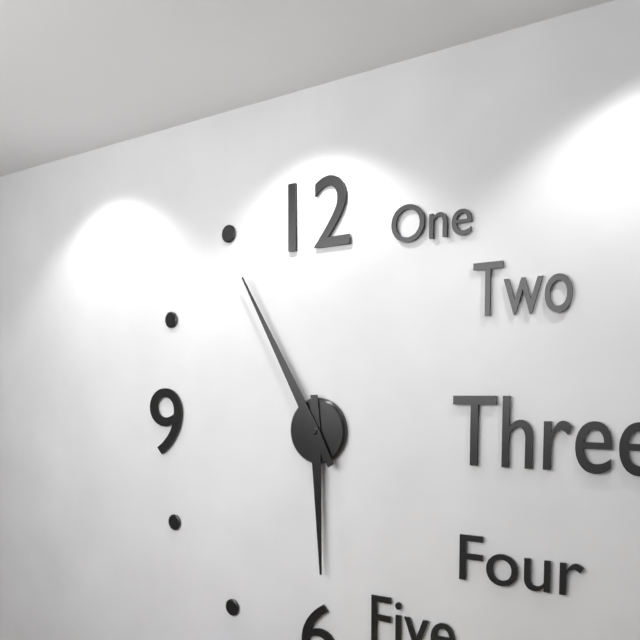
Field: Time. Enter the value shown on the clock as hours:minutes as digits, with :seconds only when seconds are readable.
5:55
